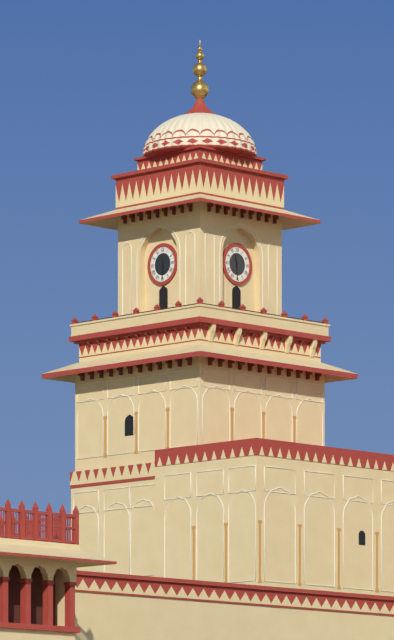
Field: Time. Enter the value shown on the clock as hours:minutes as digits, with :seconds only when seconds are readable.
11:30
